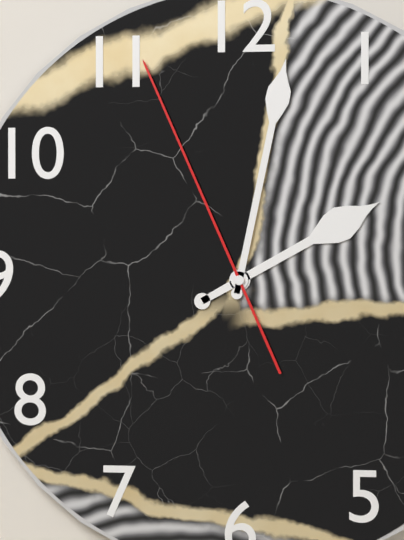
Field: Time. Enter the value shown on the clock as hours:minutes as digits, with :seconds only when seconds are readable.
2:02:56
